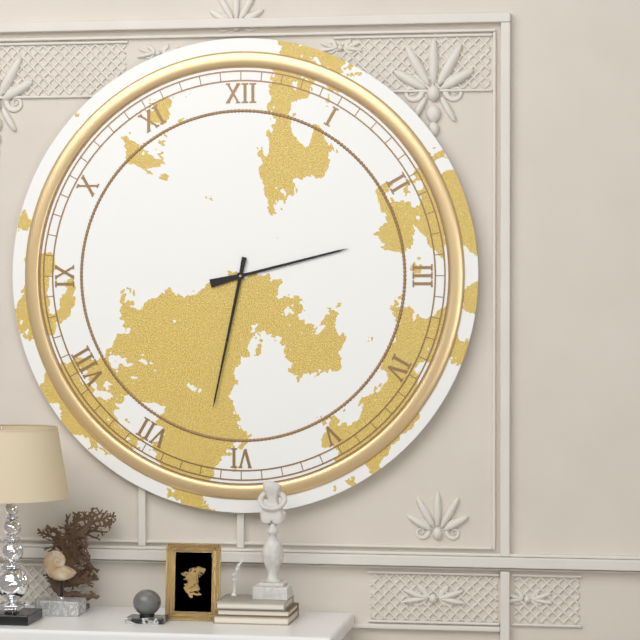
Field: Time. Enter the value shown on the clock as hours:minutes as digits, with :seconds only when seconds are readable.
2:32
